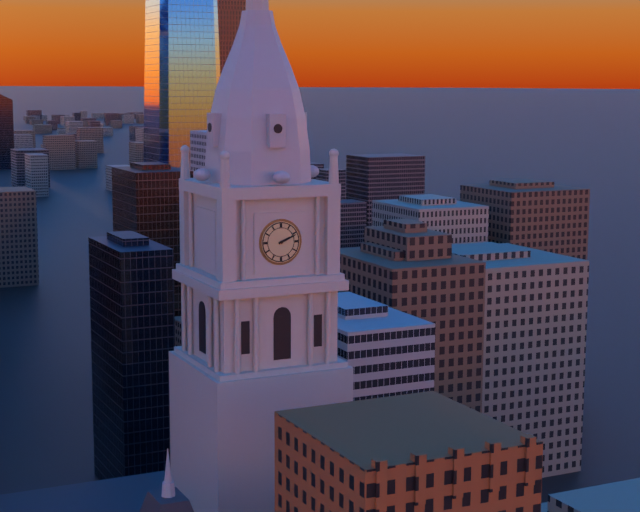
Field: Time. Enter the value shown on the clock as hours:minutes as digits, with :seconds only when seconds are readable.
2:11
